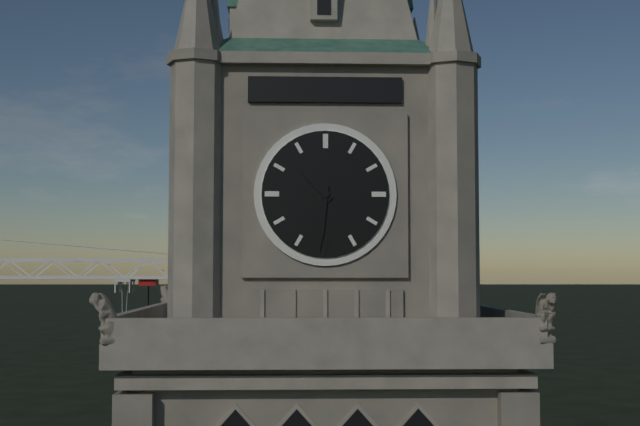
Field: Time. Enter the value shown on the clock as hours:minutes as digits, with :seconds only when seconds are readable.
10:31
